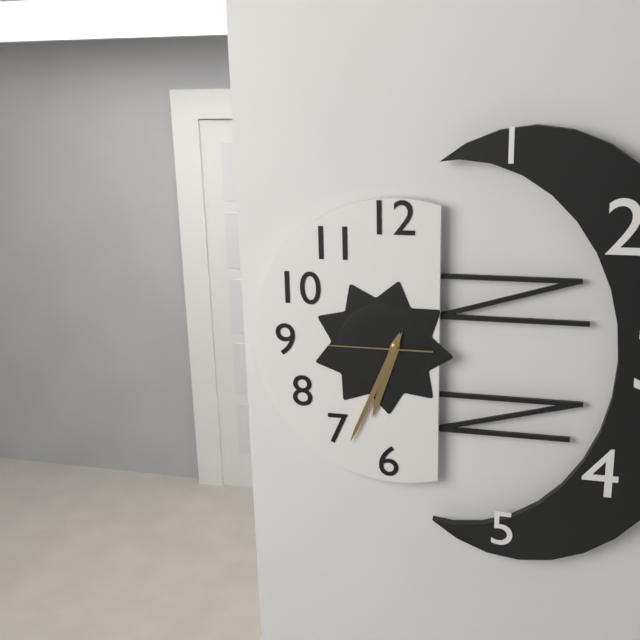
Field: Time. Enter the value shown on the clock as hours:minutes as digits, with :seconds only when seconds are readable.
6:34:45
